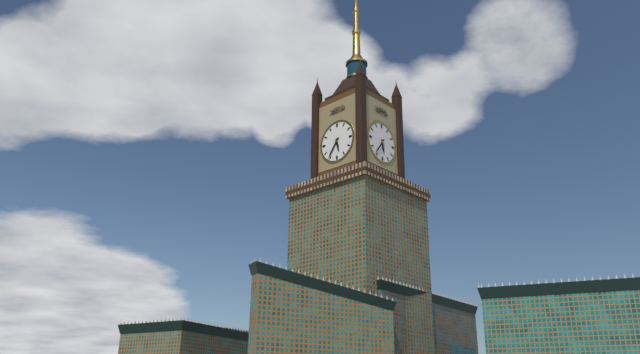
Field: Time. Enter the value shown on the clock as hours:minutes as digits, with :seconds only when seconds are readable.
5:36
